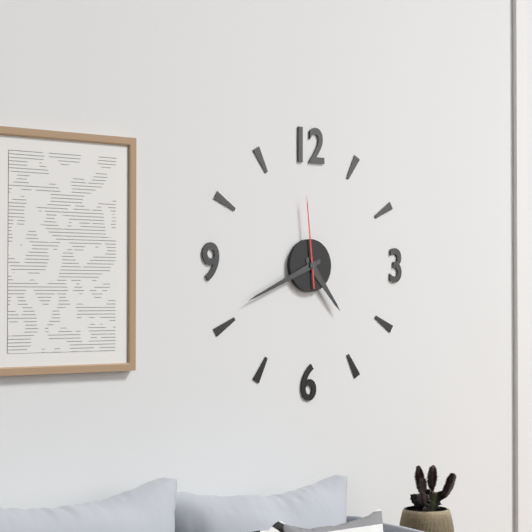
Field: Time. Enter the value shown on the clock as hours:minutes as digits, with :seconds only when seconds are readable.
4:41:59
